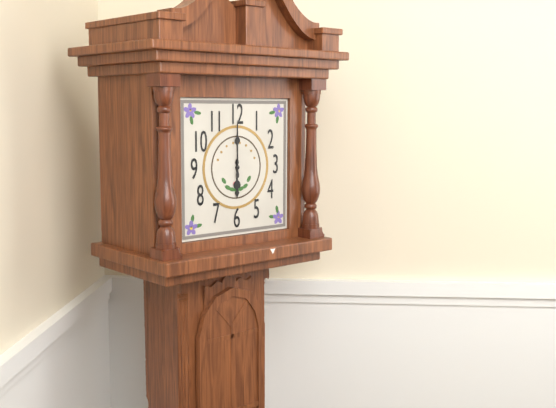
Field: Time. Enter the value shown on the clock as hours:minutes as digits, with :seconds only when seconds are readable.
6:00
